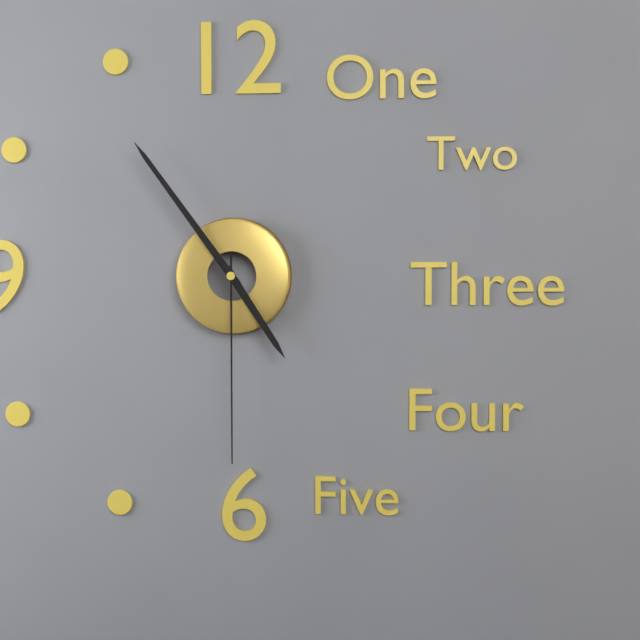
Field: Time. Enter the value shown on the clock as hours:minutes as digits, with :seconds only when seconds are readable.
4:54:30
